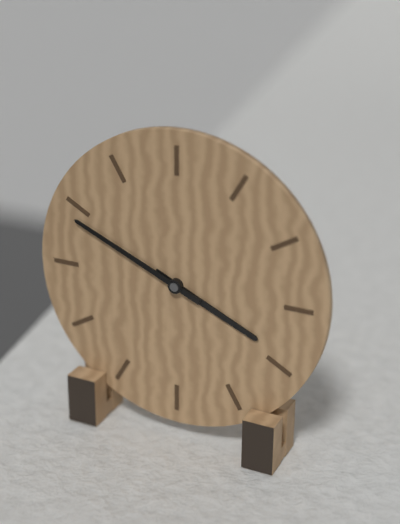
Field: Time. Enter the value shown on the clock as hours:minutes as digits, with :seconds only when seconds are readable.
3:49
